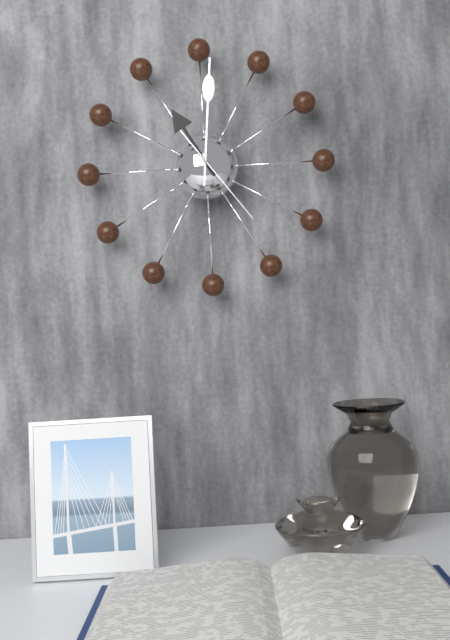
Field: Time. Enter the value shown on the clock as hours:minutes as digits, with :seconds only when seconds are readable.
11:01:24
